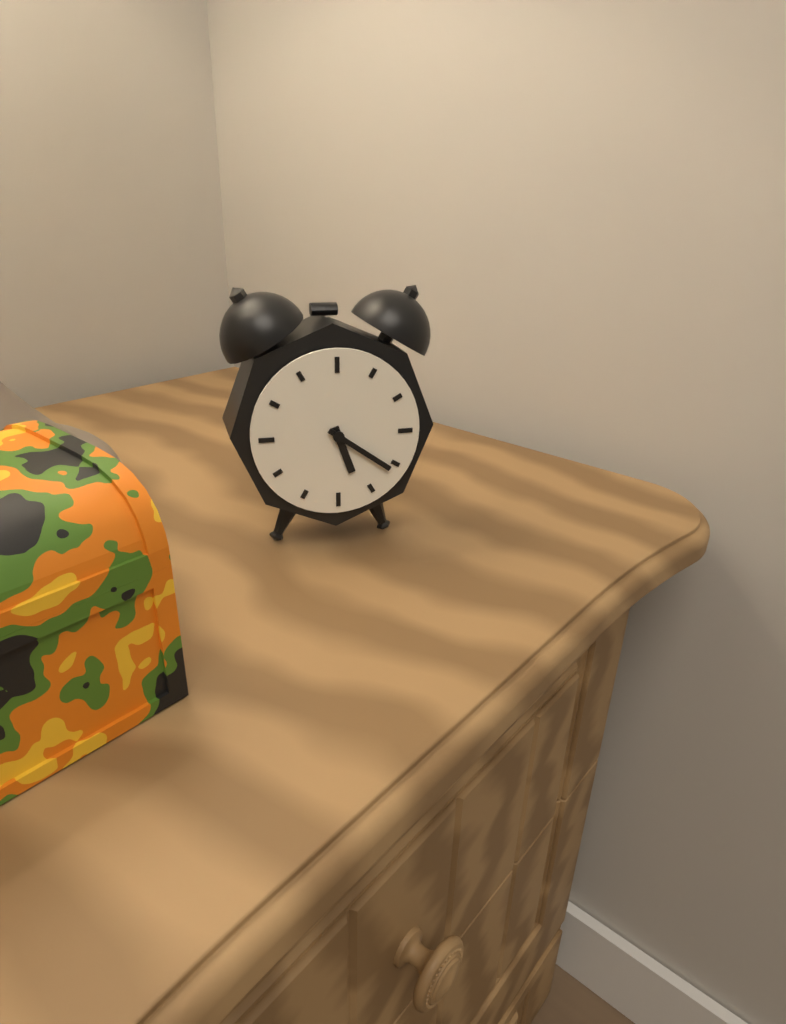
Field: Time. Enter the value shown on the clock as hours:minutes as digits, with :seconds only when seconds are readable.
5:21
